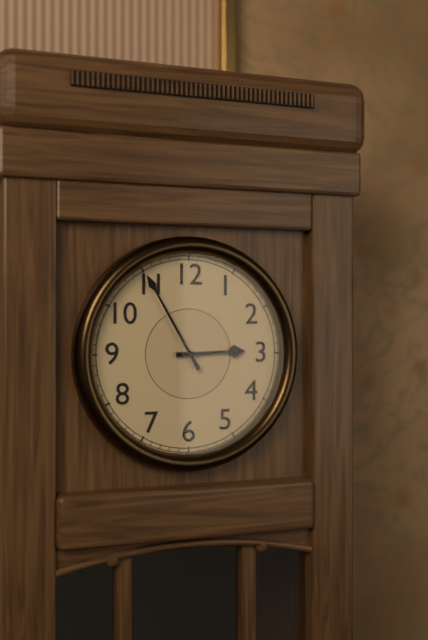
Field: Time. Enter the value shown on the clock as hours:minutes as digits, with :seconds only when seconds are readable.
2:55
